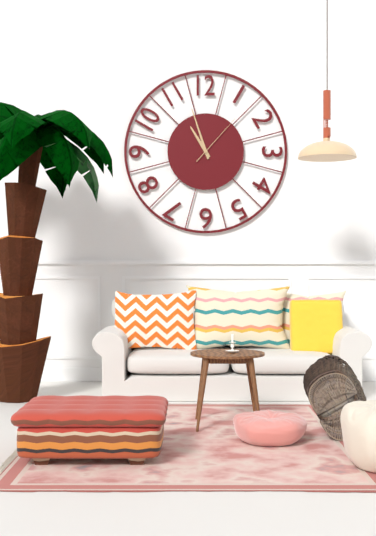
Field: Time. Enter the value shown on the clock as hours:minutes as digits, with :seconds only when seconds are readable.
10:57:07
